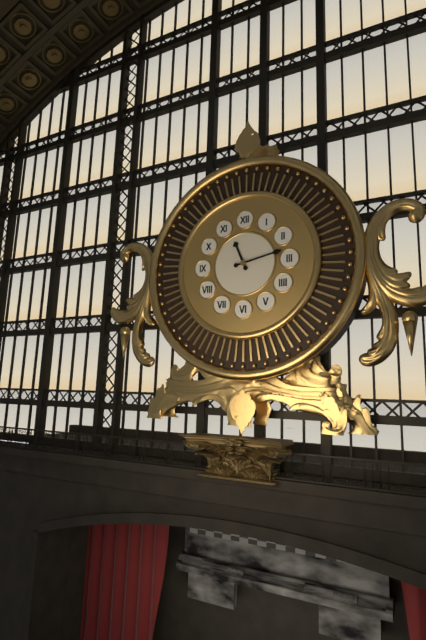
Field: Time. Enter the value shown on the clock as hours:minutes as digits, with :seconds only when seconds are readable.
11:13
